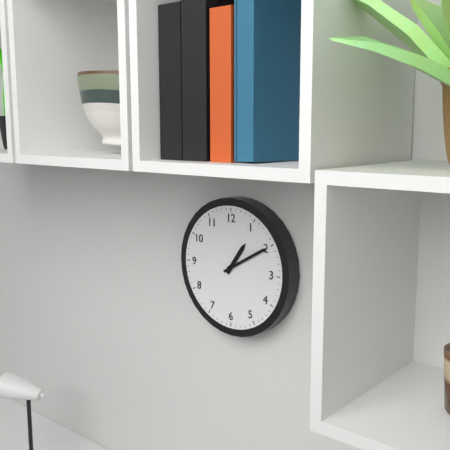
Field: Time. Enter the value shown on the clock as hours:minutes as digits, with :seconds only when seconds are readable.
1:10
